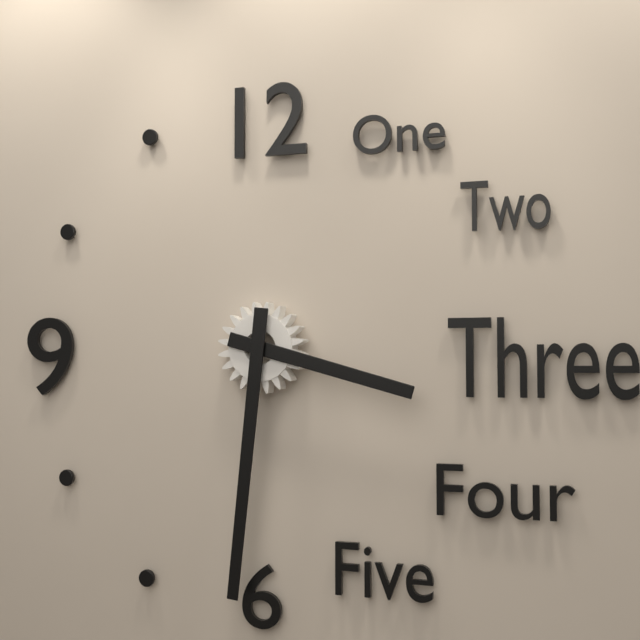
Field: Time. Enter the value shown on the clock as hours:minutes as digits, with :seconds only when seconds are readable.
3:31
